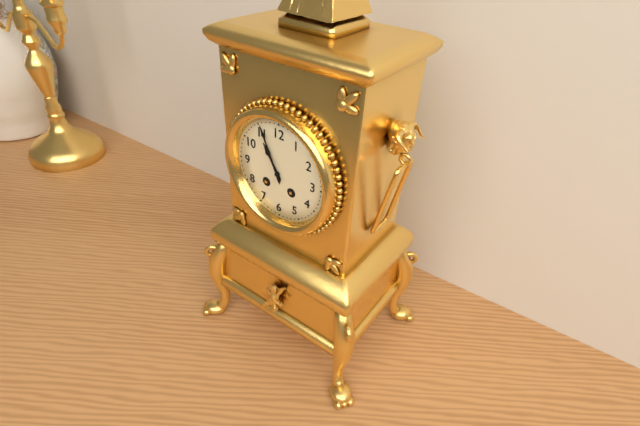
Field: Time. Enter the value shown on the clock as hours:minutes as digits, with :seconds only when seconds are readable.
10:56
